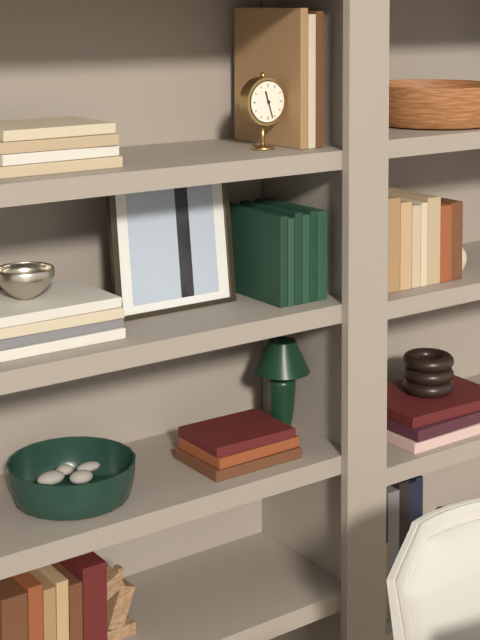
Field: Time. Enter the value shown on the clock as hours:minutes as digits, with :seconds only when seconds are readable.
11:27
